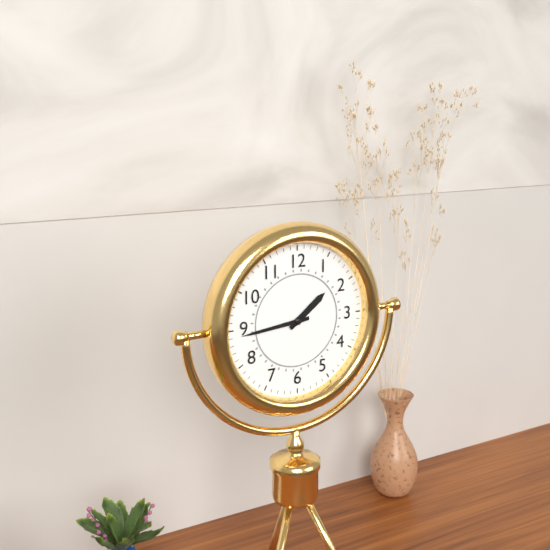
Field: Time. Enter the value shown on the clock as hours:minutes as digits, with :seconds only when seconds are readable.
1:44
